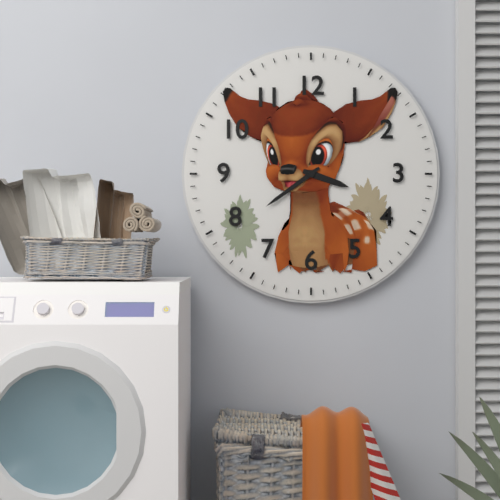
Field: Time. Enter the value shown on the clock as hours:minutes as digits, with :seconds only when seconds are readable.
3:39
